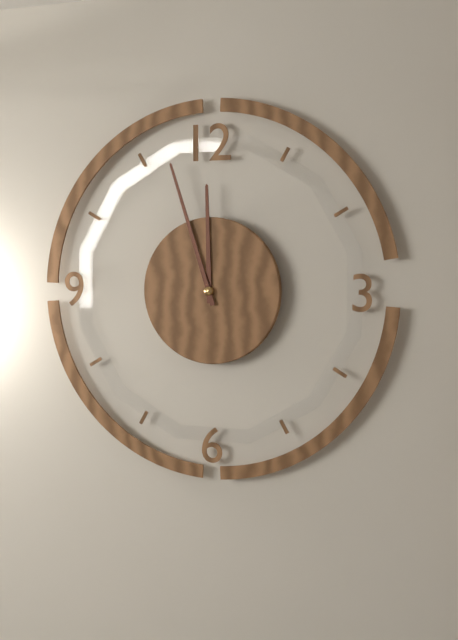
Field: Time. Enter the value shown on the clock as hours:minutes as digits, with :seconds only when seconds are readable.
11:57
